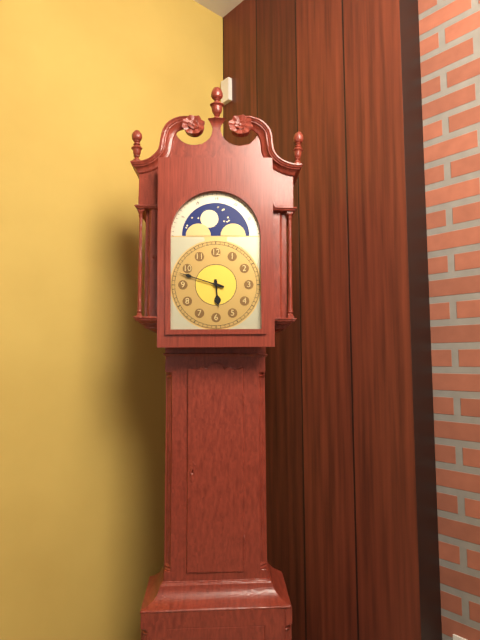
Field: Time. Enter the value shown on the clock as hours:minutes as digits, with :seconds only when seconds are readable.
5:48
